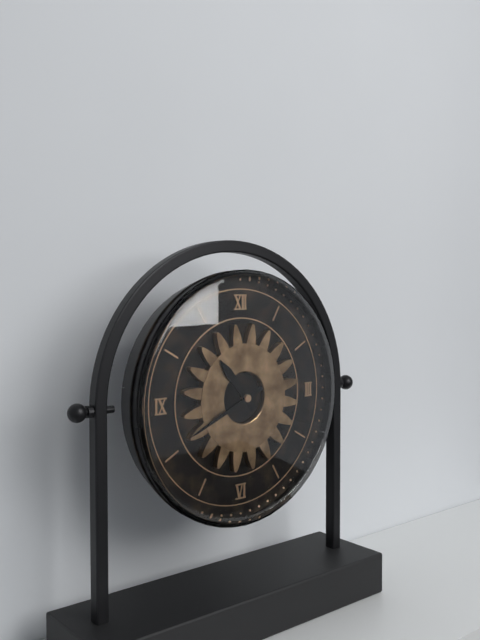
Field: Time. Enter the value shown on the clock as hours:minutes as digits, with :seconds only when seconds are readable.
10:41
